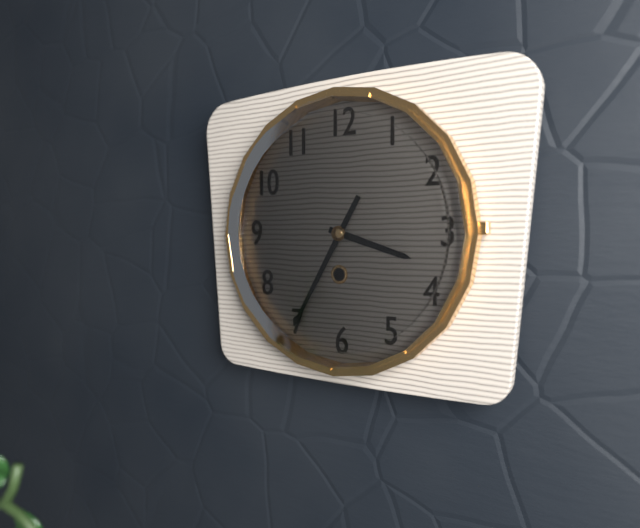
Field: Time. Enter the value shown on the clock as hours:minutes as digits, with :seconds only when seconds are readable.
3:35
